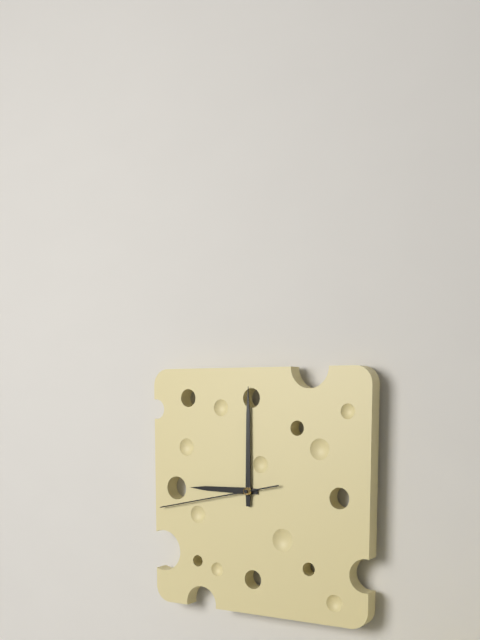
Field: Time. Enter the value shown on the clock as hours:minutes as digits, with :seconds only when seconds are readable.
9:00:43
